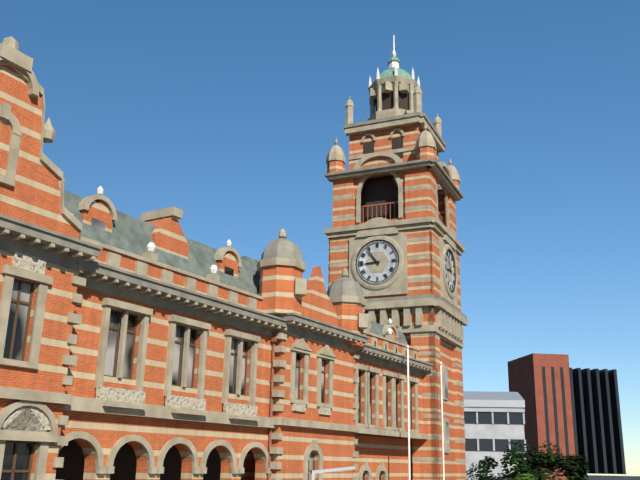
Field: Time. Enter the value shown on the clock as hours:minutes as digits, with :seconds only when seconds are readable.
8:54
